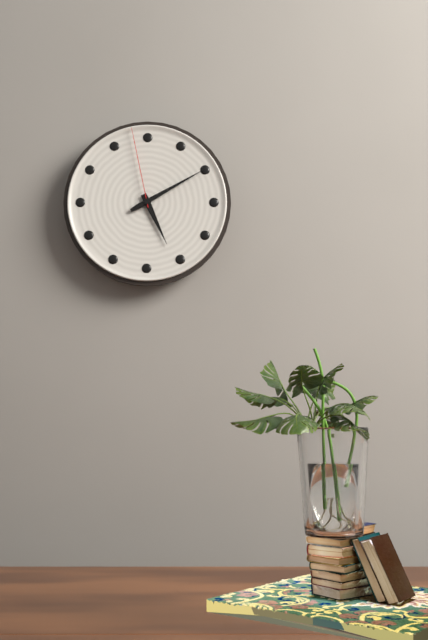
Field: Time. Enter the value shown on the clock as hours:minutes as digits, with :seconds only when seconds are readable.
5:10:58
